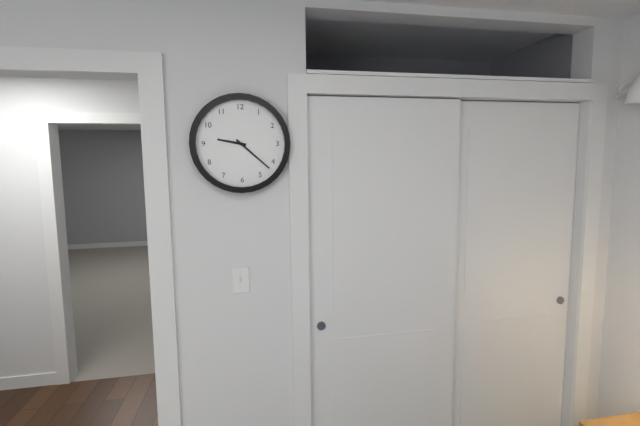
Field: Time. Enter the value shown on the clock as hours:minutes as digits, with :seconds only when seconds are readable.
9:22
